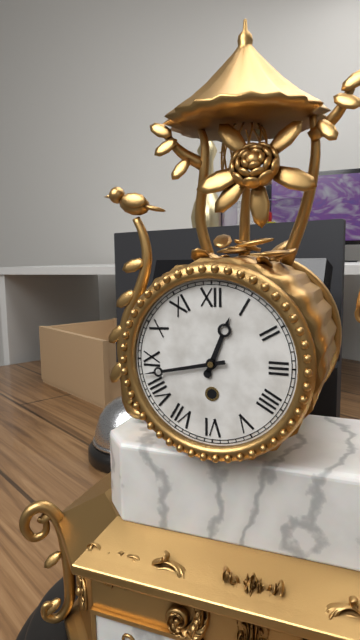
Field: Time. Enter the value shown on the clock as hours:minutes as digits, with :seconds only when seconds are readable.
12:43
